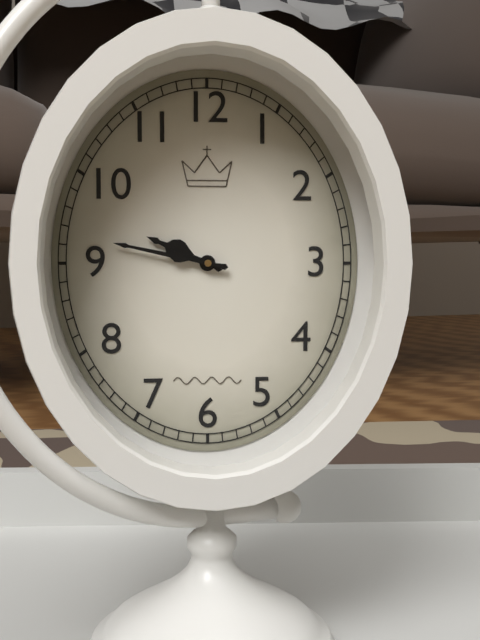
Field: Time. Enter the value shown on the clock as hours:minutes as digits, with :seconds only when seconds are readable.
9:47
